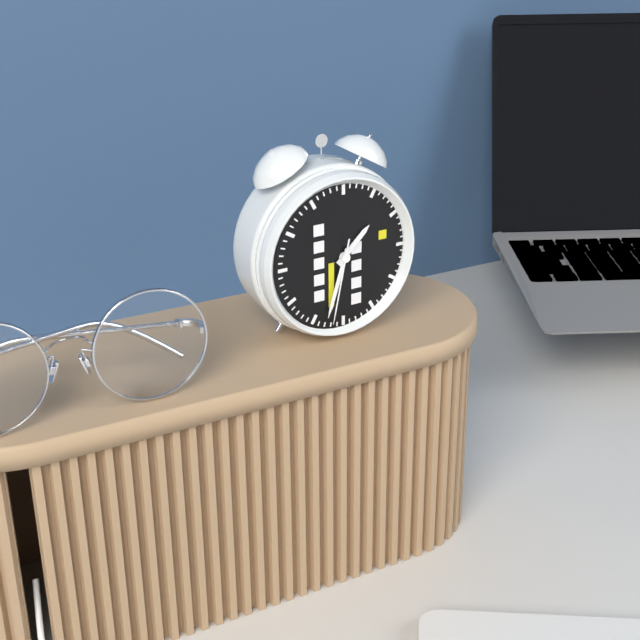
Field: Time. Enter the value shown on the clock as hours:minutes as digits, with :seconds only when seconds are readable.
1:33:32
